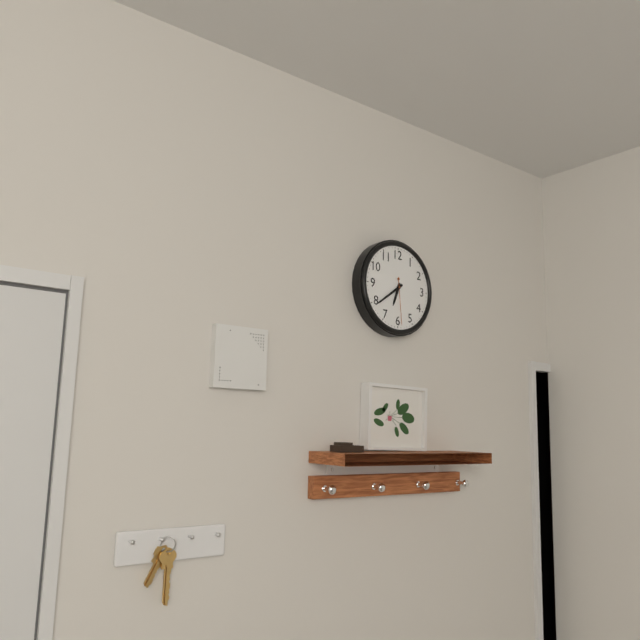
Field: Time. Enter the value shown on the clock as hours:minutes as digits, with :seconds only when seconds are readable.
6:39
